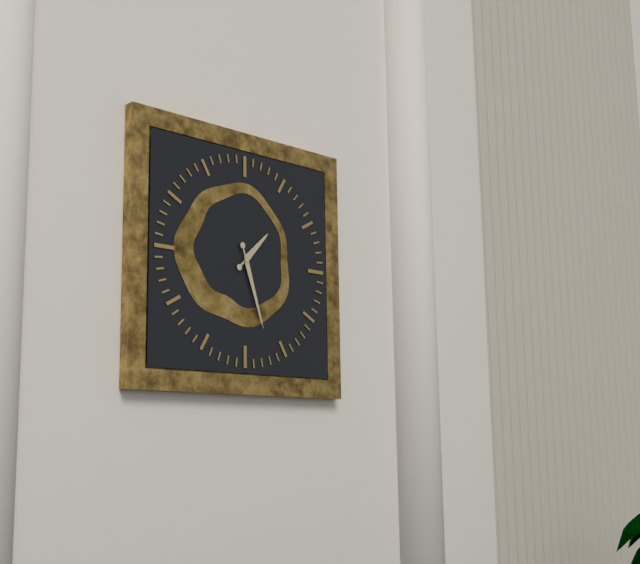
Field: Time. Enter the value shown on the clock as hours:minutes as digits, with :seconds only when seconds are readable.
1:27
